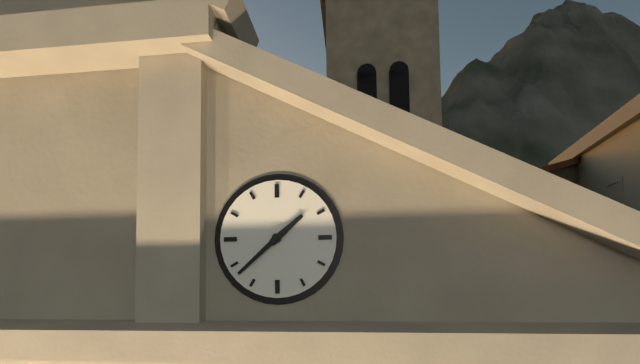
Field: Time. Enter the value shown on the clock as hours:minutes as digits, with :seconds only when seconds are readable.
1:38
